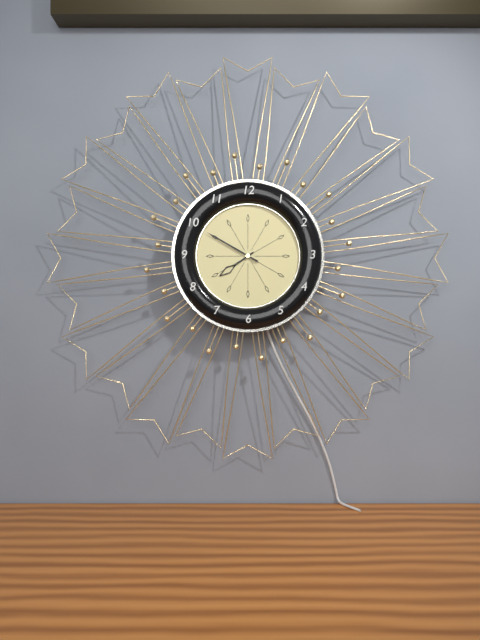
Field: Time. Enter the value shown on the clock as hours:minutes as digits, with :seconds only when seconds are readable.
7:50
